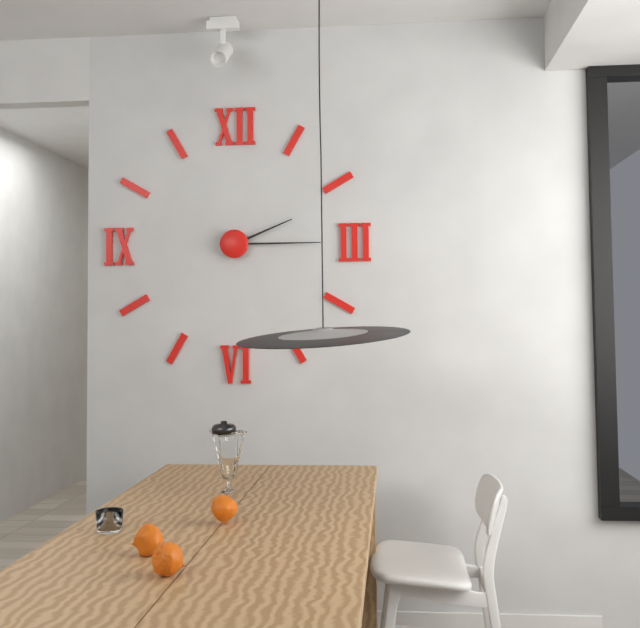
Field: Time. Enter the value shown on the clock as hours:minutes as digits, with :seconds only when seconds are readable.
2:15
